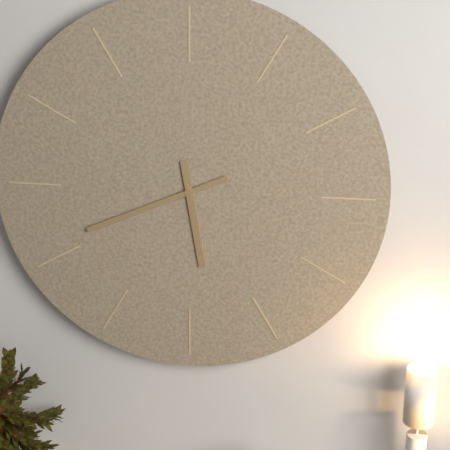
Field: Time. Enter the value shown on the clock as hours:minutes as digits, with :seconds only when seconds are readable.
5:41
